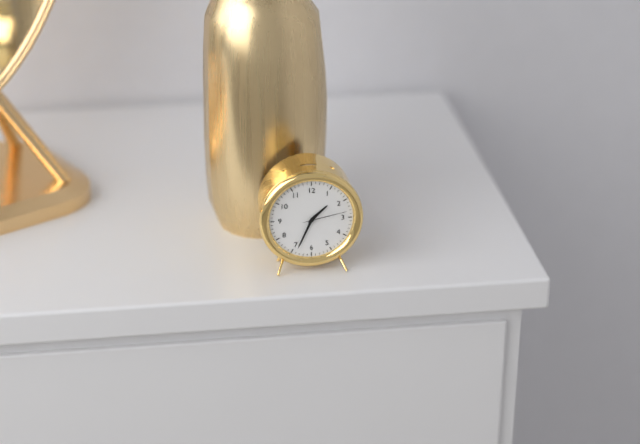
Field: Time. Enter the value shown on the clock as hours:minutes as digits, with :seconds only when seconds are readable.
1:34
